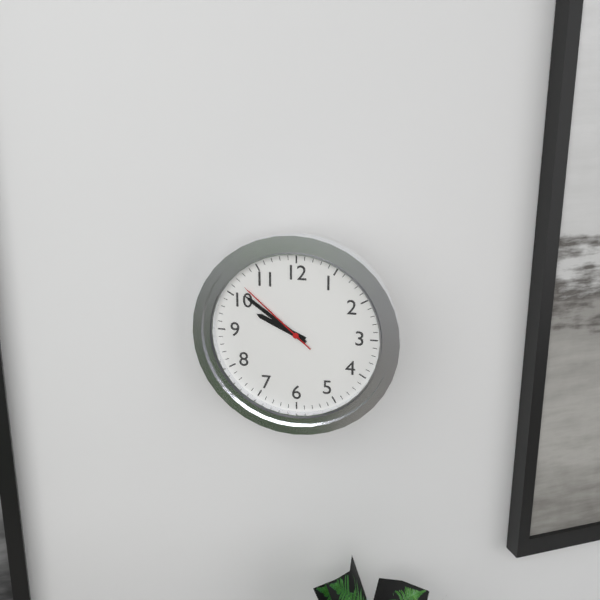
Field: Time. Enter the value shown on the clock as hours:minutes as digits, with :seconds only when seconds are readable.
9:51:52
